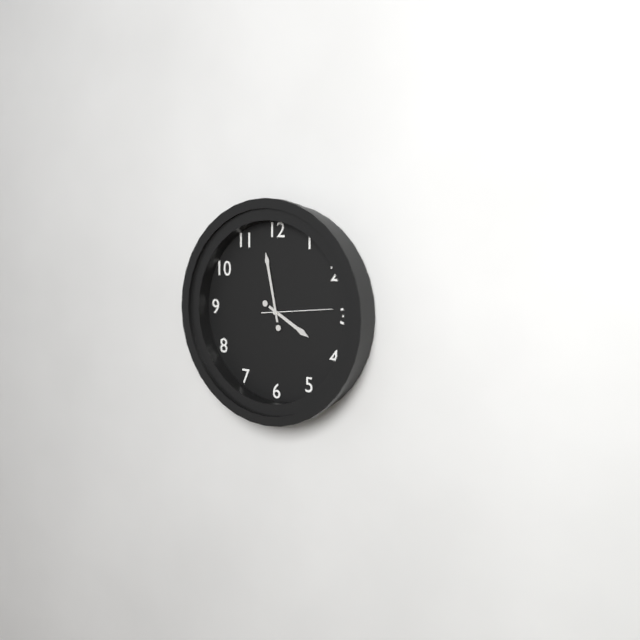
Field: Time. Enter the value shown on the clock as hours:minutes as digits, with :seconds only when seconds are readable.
3:58:14
